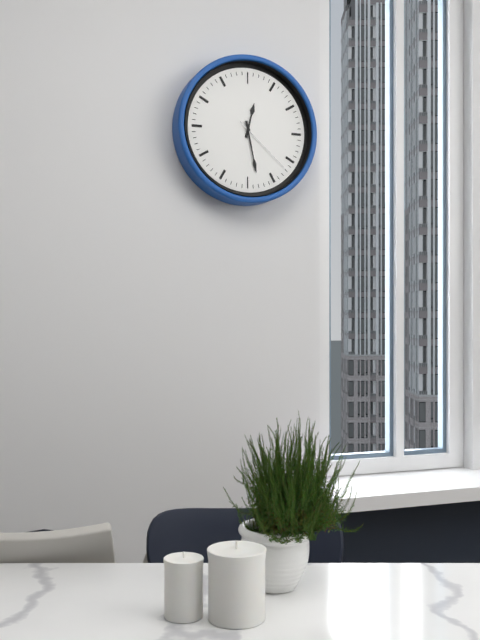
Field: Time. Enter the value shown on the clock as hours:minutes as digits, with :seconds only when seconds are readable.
12:28:22
